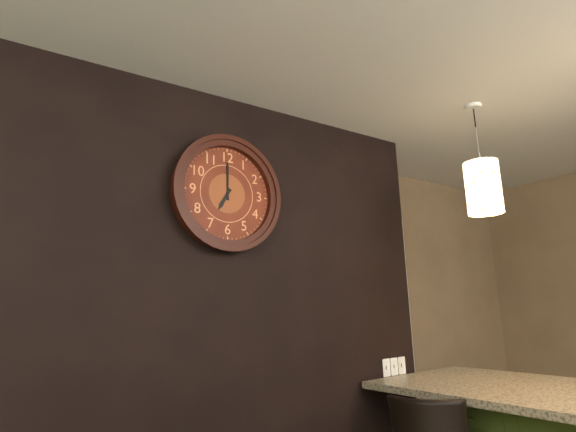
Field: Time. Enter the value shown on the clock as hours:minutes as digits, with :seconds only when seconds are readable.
7:00
